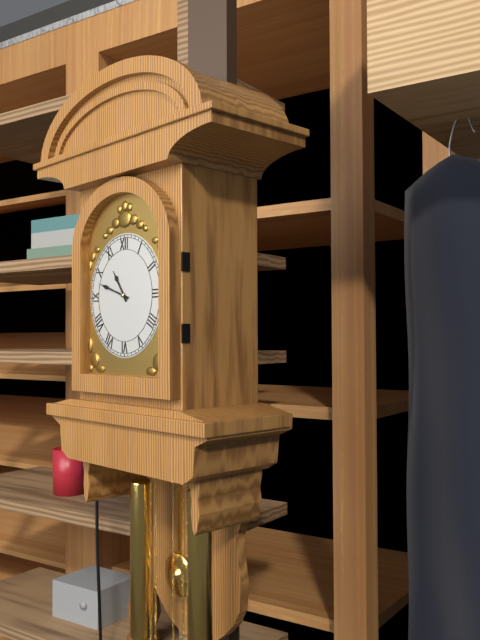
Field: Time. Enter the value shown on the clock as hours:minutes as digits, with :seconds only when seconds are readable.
10:48
